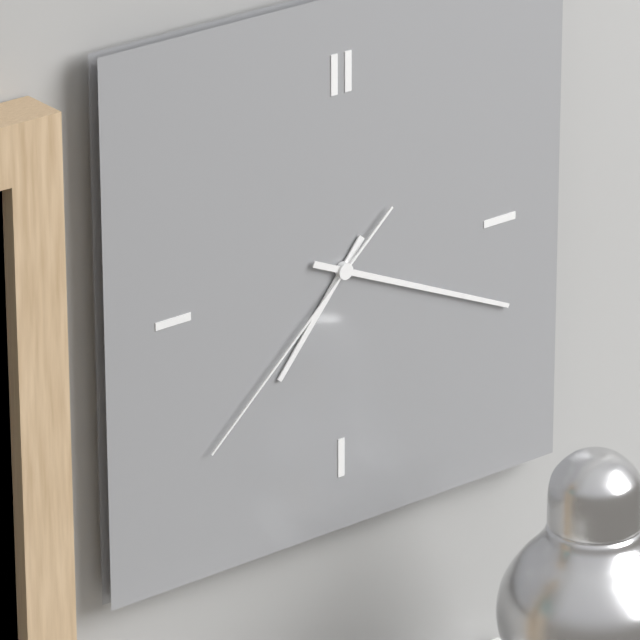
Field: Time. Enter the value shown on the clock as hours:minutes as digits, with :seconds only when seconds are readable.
7:19:38
